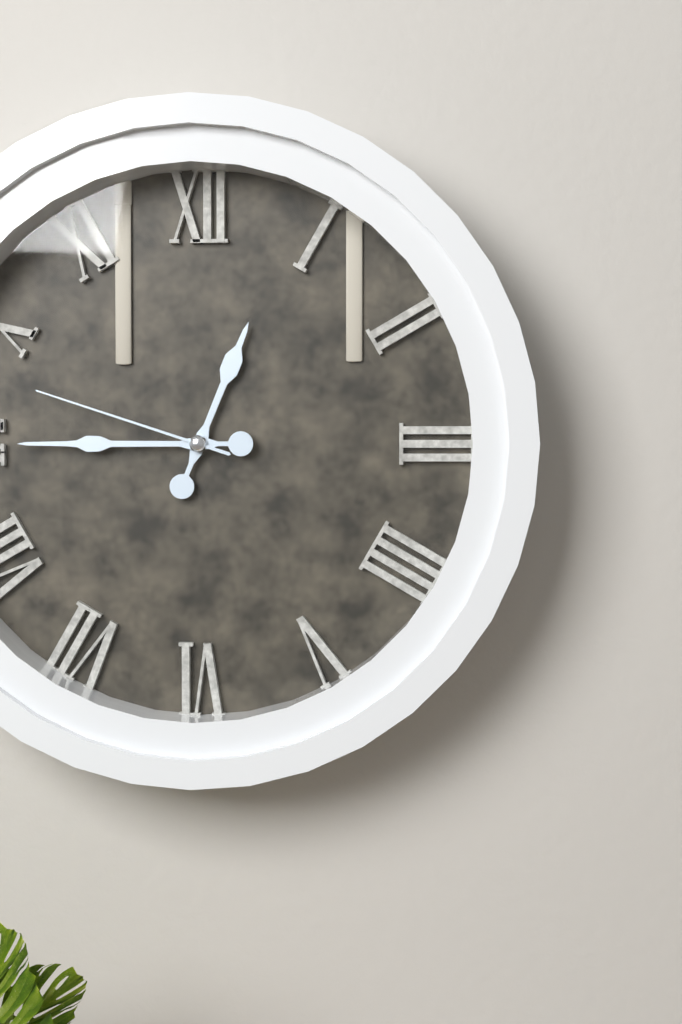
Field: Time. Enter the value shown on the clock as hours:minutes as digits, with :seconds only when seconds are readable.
12:45:48
